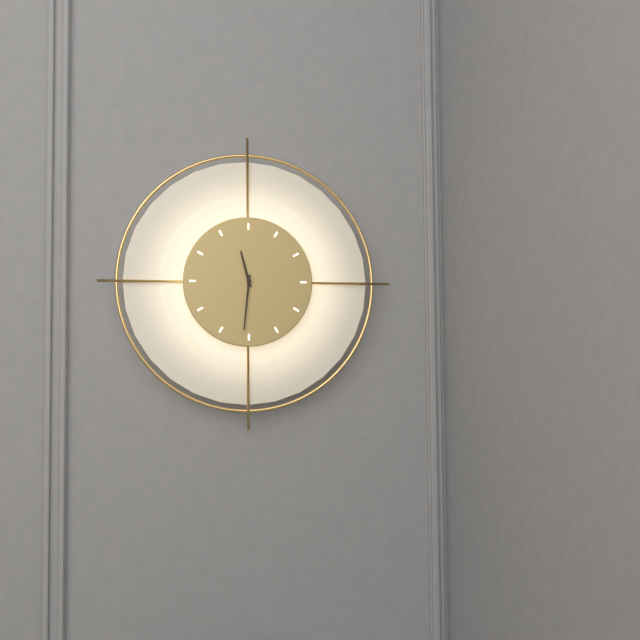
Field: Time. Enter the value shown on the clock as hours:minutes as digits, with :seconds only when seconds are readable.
11:31
